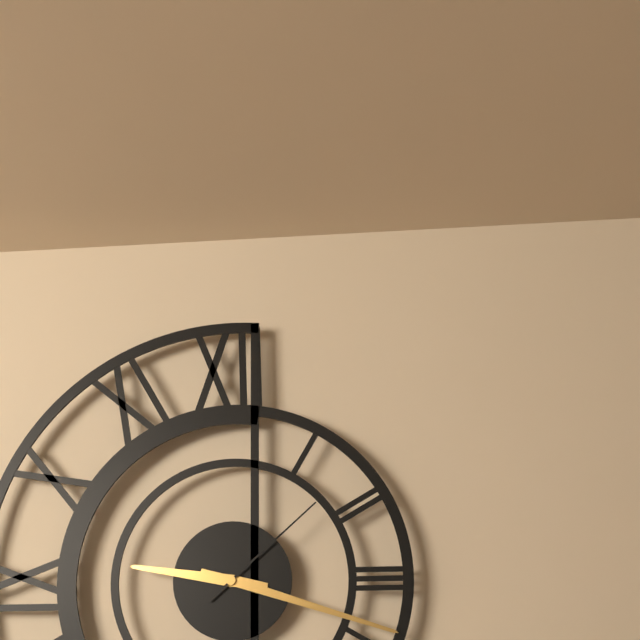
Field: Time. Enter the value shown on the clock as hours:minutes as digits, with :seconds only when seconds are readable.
9:18:08
